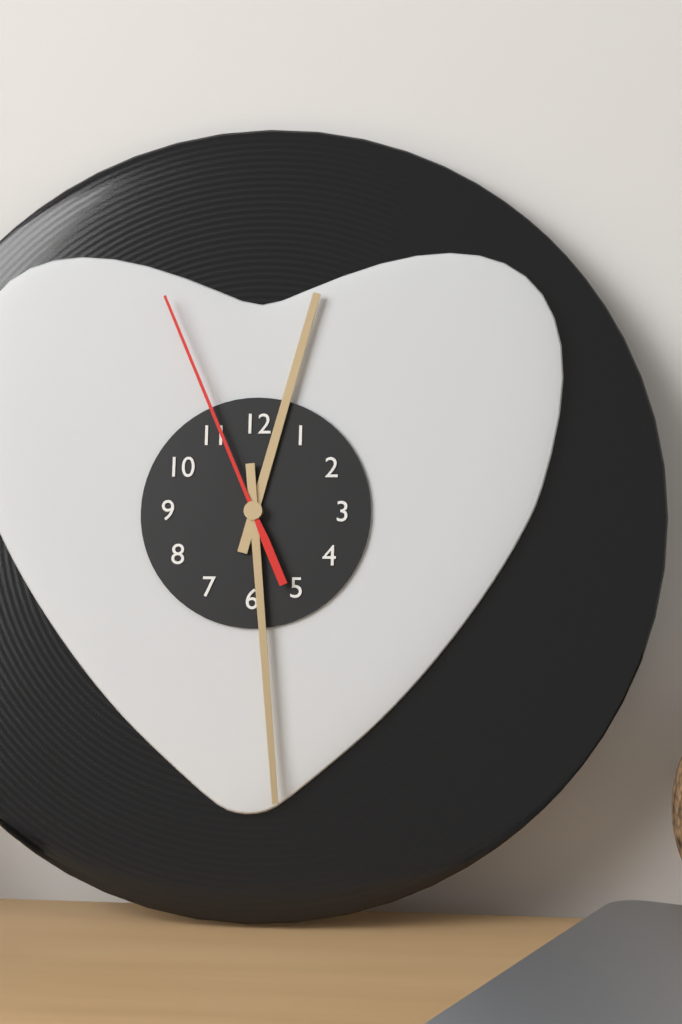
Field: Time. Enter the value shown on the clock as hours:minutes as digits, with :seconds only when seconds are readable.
12:29:56
